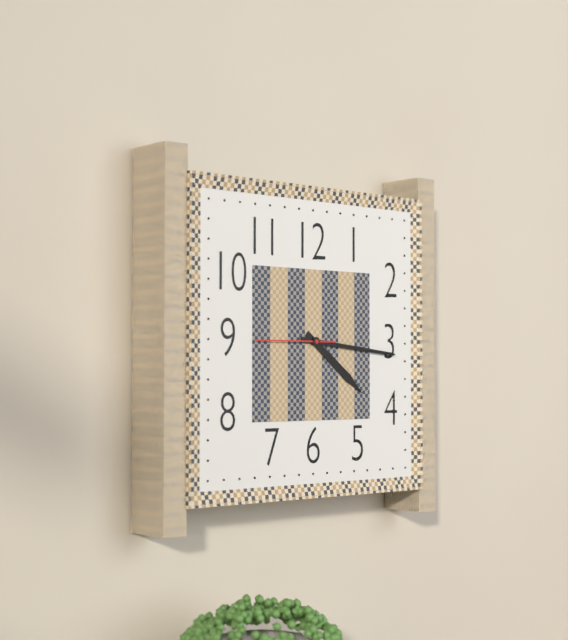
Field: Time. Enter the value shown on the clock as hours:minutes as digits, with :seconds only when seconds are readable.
4:16:45
